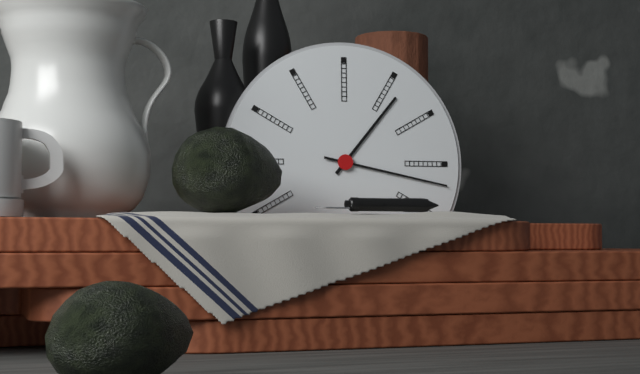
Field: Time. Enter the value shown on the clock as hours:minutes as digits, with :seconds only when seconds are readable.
1:17
